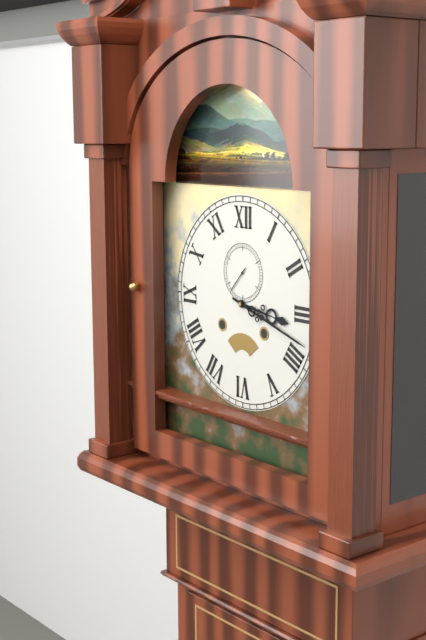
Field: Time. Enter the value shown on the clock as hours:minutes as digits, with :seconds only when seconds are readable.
3:18
